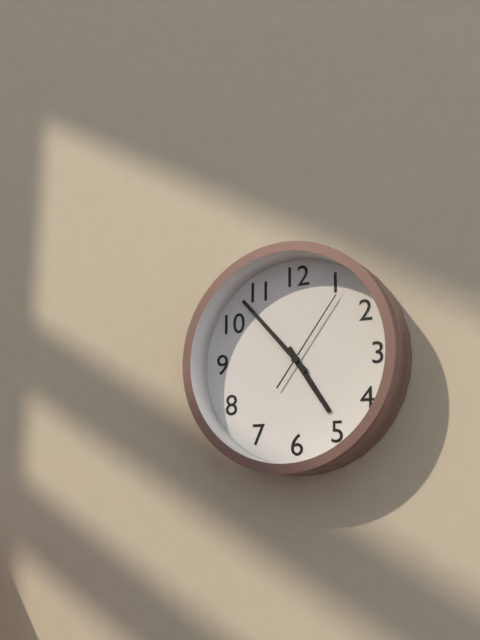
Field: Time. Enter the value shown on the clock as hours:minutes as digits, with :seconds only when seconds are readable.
4:53:06
